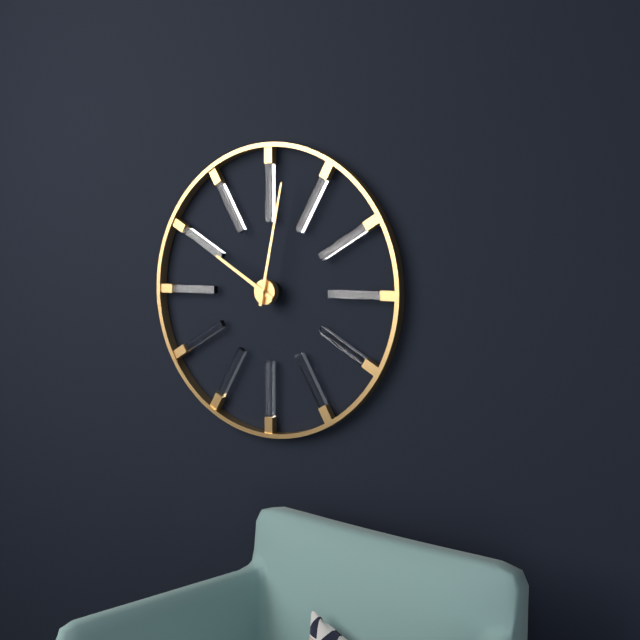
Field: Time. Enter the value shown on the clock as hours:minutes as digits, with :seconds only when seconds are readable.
10:02
